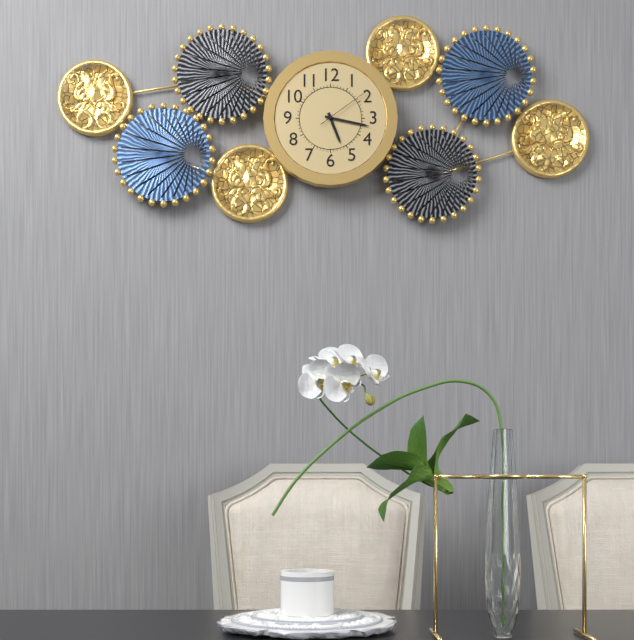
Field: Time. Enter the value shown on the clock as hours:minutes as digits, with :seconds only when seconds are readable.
5:17:09
